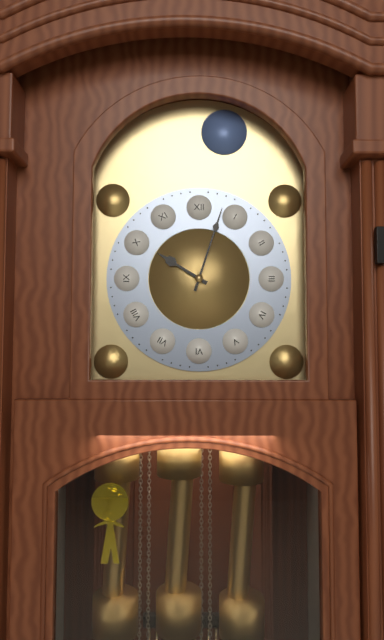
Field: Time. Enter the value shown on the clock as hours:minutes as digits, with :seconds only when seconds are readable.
10:03
